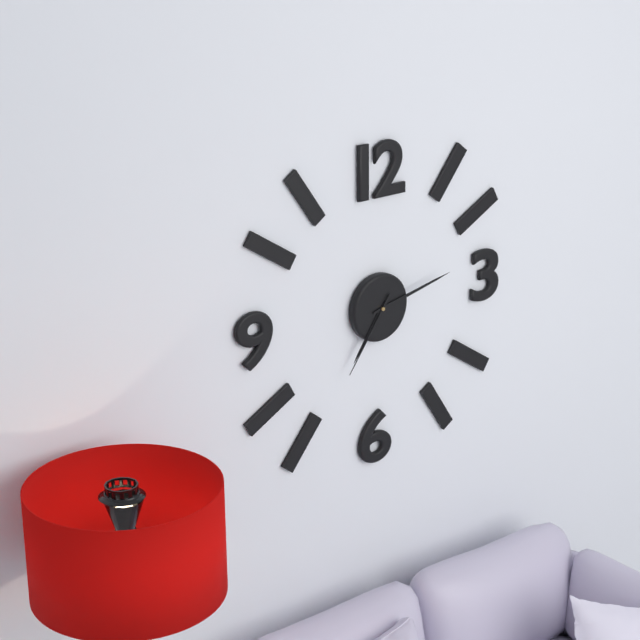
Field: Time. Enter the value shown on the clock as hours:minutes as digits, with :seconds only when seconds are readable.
7:13:36
